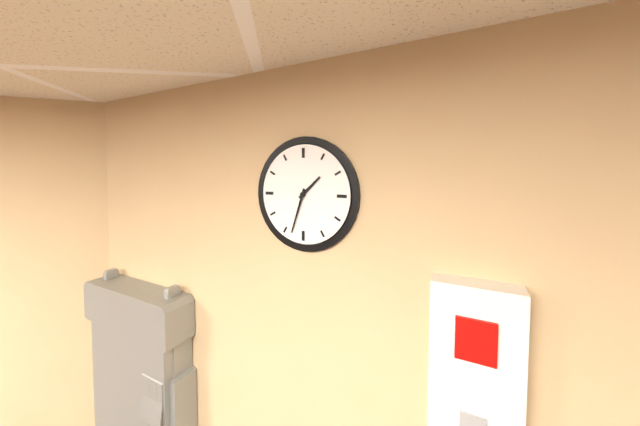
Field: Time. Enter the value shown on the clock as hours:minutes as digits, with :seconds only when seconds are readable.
1:33
